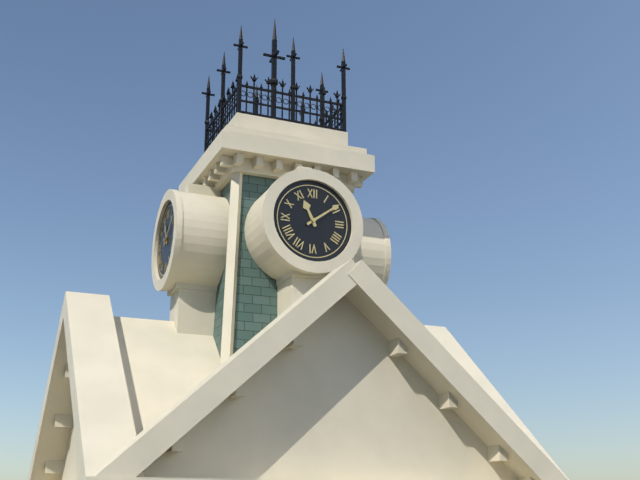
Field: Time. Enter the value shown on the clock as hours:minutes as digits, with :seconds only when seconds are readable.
11:09
